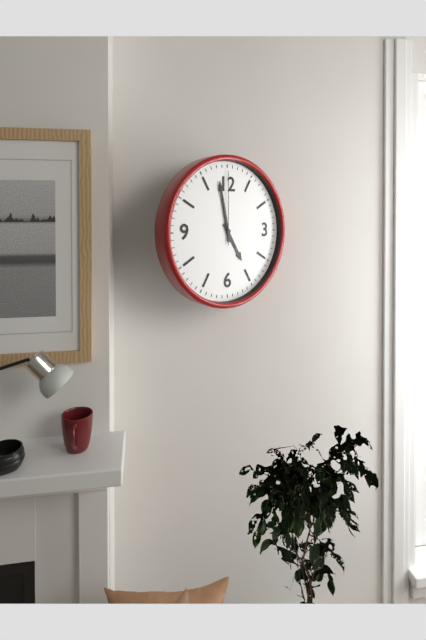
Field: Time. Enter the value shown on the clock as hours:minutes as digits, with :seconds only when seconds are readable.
4:58:00
